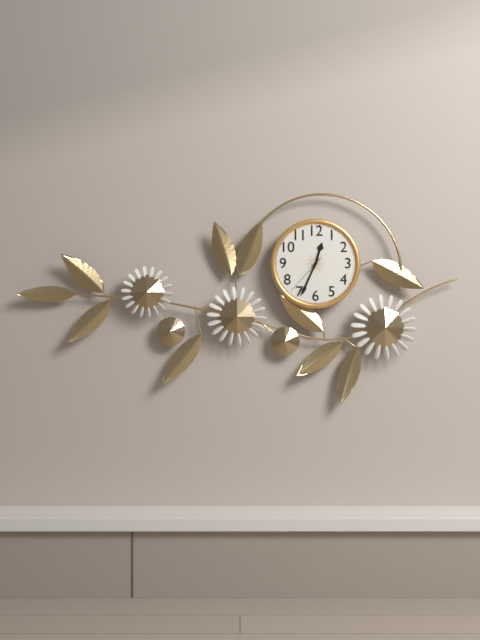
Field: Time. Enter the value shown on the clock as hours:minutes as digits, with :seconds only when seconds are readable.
12:34
